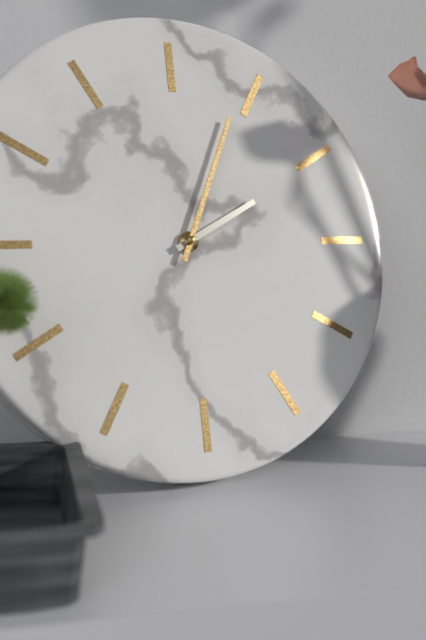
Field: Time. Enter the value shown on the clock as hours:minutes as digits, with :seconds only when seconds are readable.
2:04
